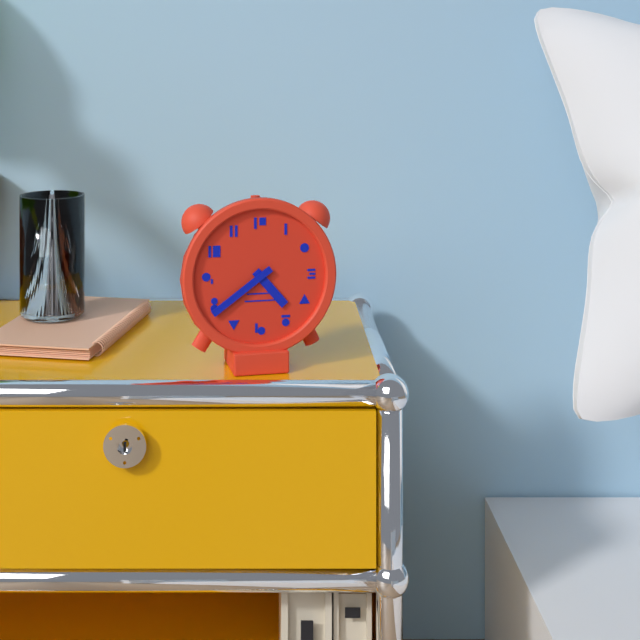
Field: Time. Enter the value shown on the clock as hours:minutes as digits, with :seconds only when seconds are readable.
4:39
